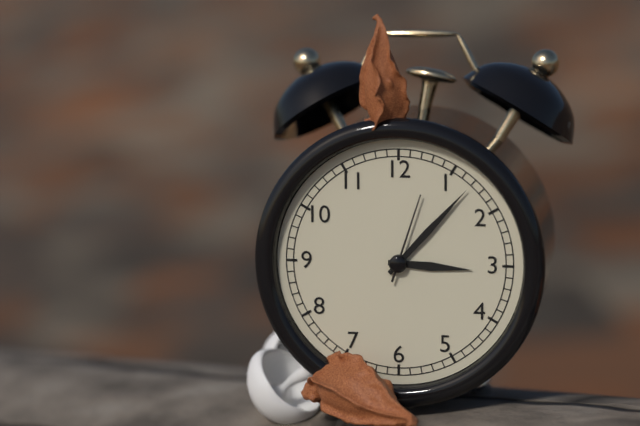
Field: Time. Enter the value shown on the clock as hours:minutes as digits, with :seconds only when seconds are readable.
3:07:03
